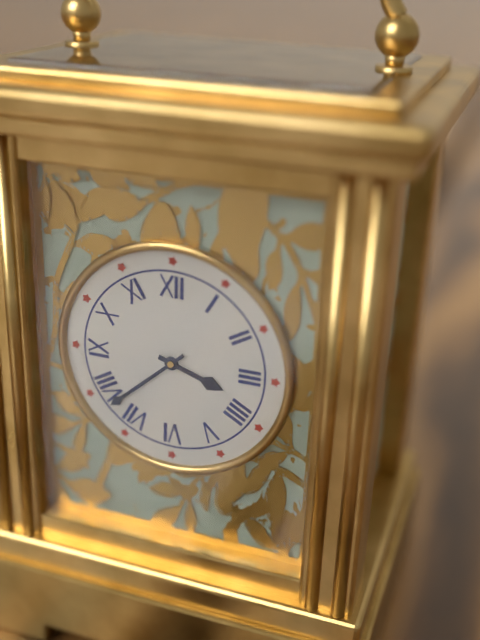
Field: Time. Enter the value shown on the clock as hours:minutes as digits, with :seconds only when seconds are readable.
3:38
